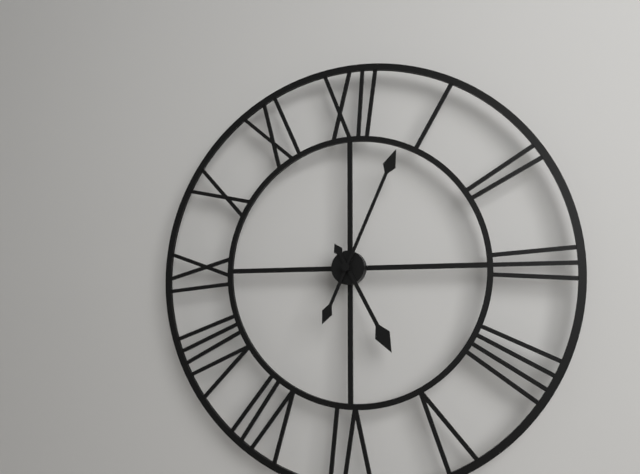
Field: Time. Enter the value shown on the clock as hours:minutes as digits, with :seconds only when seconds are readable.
5:04
